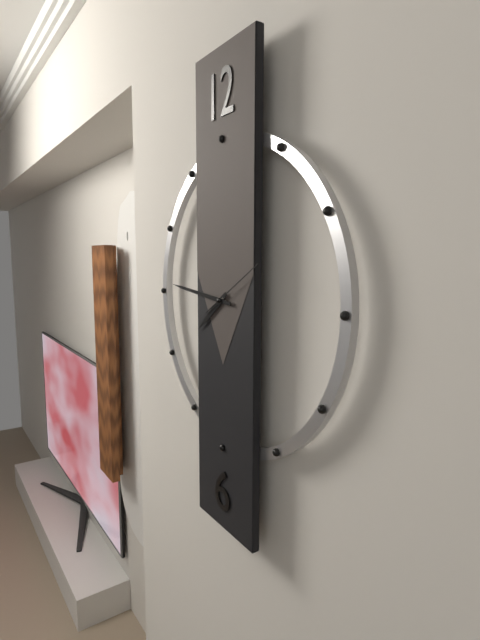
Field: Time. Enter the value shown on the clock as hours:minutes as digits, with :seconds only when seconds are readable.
7:46:10
